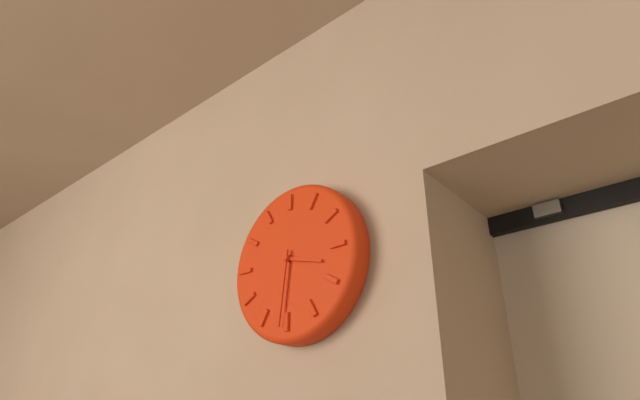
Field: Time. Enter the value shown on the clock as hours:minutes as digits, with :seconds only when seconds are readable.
3:31
